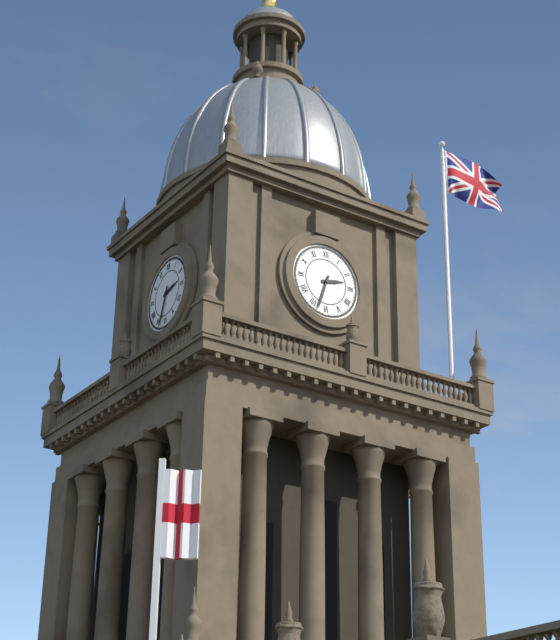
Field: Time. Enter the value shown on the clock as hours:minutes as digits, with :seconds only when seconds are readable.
2:33
